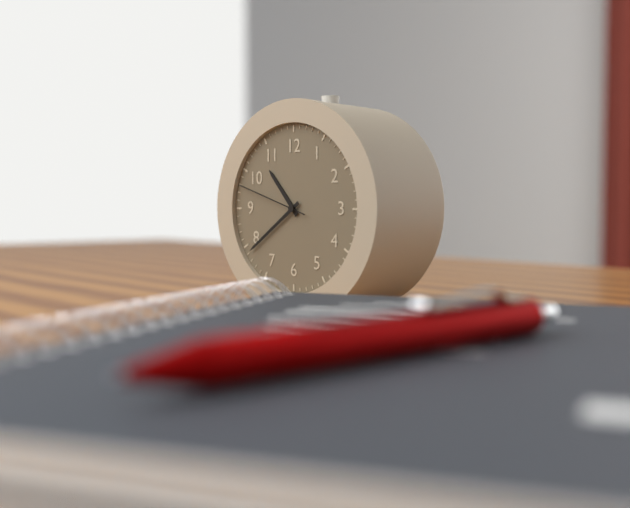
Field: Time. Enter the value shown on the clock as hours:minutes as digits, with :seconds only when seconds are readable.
10:39:48
